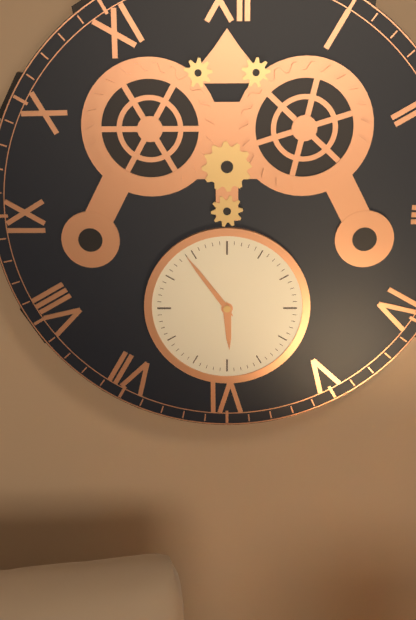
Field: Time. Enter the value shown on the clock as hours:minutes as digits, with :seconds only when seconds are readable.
5:54
